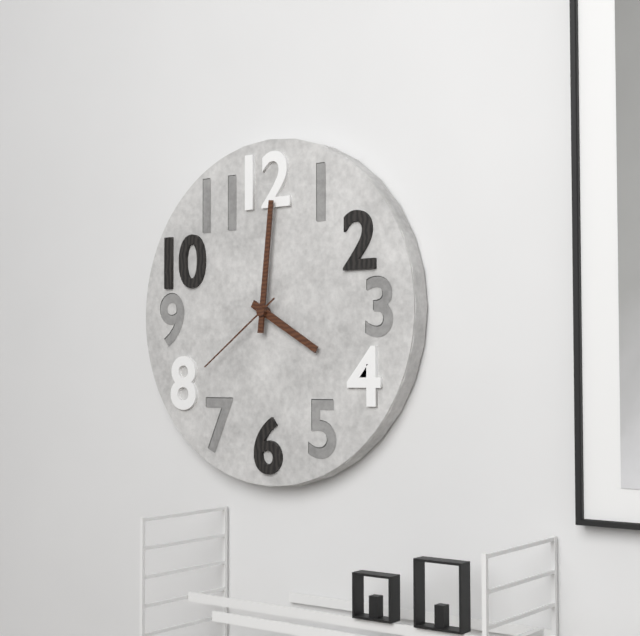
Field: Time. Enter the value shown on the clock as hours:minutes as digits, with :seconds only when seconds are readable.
4:01:39
